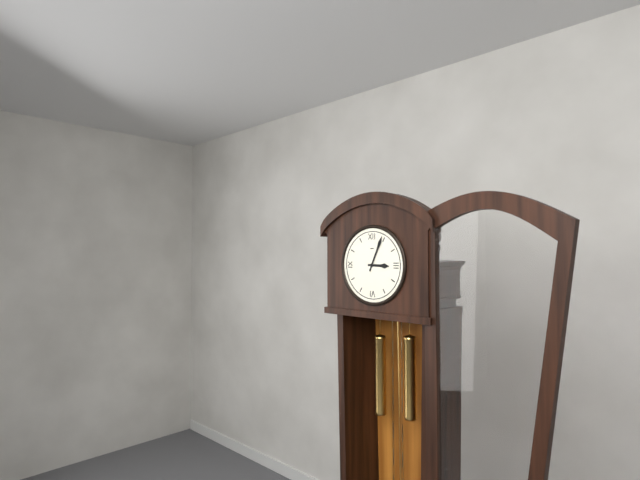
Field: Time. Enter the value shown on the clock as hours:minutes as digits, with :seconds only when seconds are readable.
3:04
